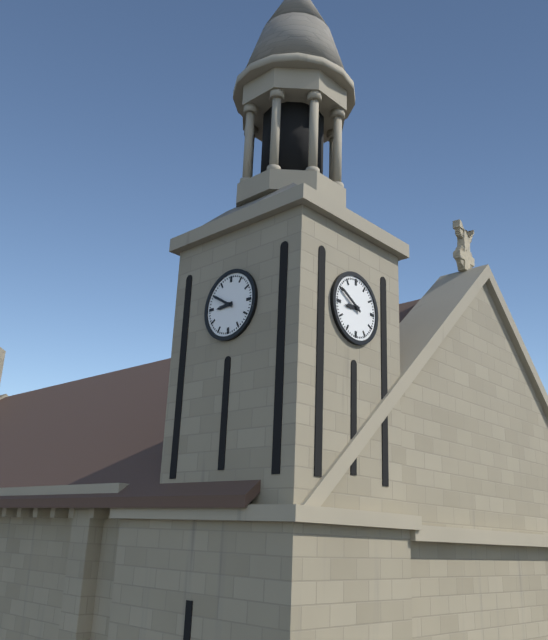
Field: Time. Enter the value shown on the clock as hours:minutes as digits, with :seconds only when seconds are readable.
8:50
